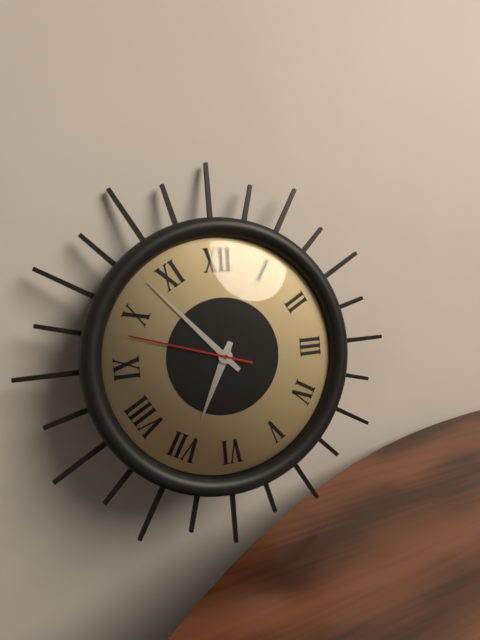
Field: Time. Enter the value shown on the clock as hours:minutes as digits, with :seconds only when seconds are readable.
6:53:48
